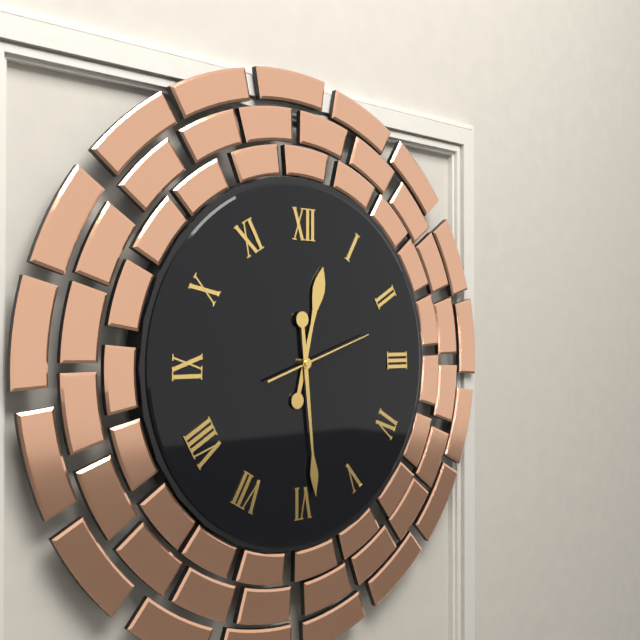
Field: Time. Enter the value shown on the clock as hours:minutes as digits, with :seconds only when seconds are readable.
12:29:12
